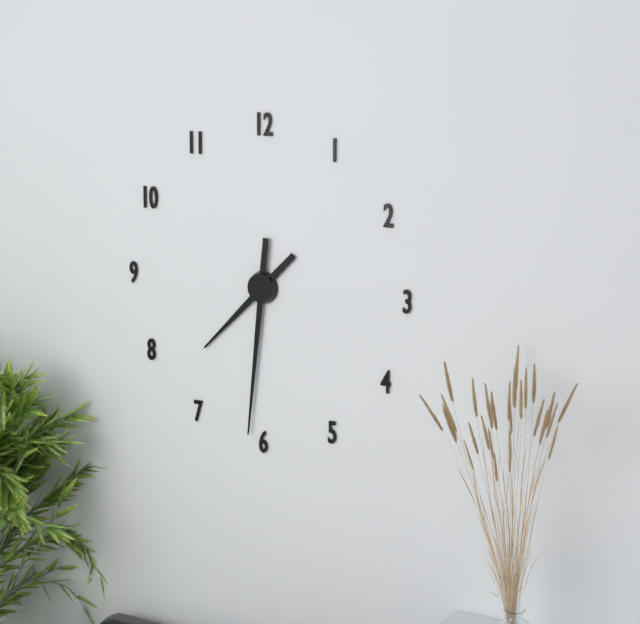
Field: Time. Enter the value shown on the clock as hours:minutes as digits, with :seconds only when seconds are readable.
7:31
